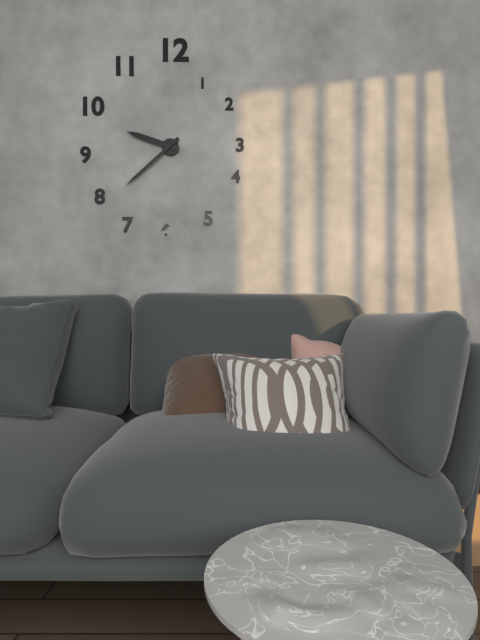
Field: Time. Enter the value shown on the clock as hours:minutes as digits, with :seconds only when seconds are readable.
9:38
